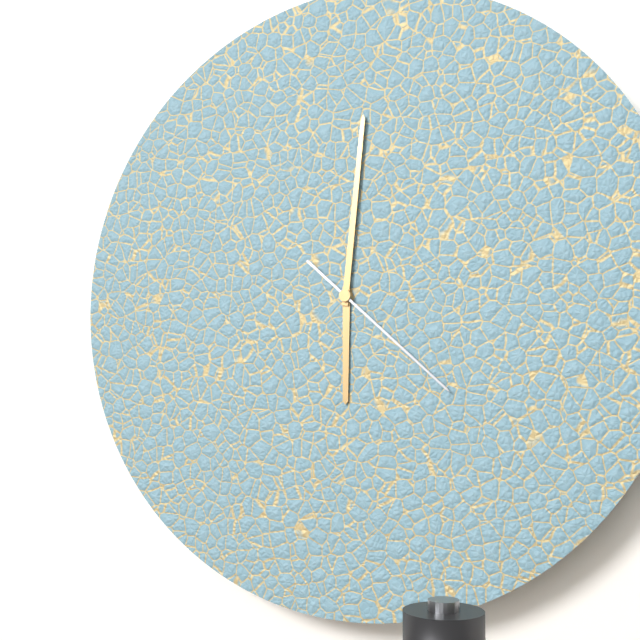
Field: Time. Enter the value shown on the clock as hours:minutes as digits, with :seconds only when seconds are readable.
6:01:22
